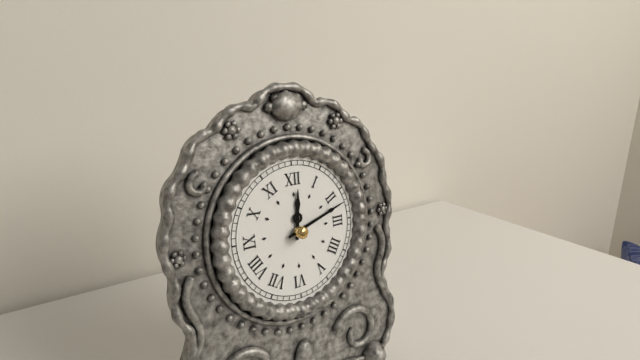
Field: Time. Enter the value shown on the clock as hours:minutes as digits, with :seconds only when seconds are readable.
12:12
